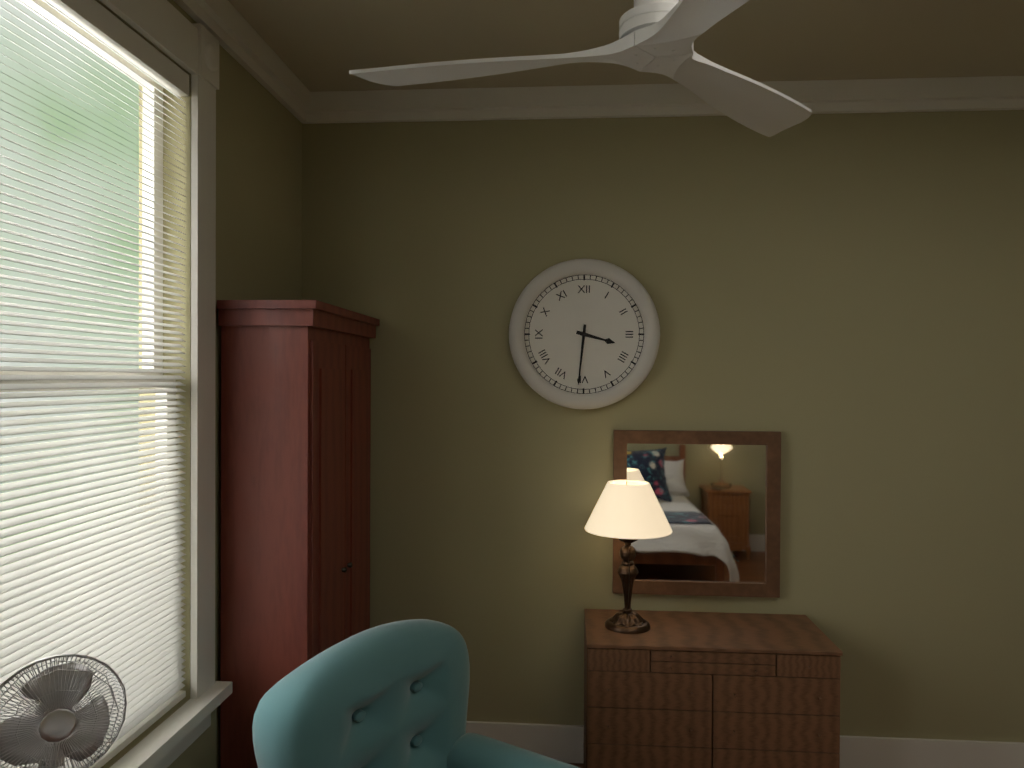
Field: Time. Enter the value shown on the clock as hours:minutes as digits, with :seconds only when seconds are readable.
3:31
